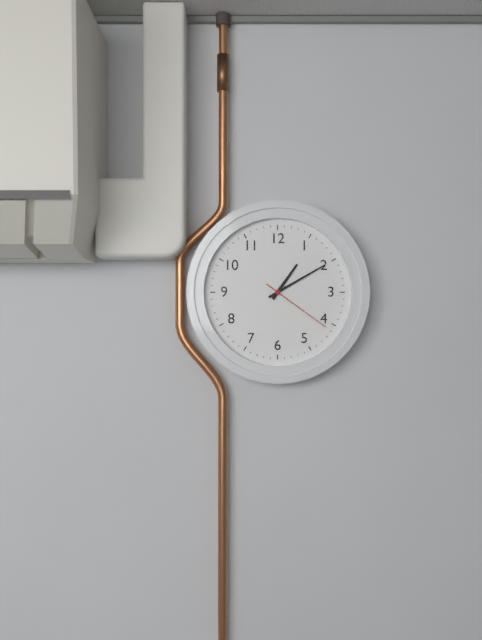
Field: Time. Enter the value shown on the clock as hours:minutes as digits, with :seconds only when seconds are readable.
1:10:21
